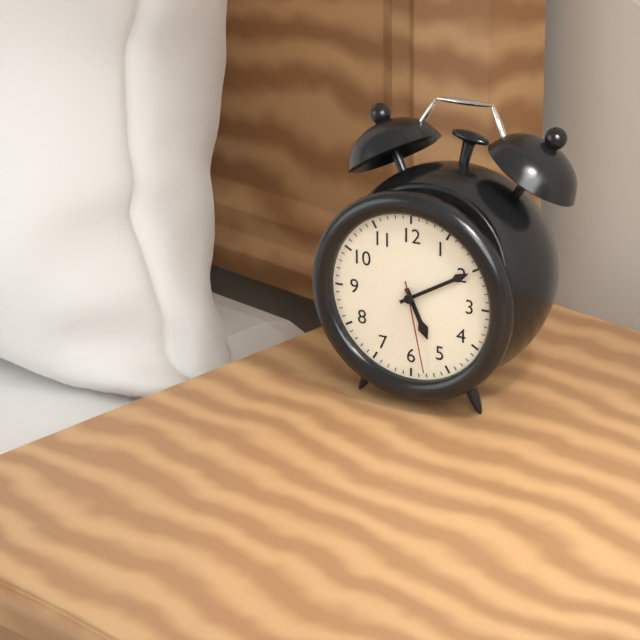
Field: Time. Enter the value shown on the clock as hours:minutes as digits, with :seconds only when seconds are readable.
5:10:28
